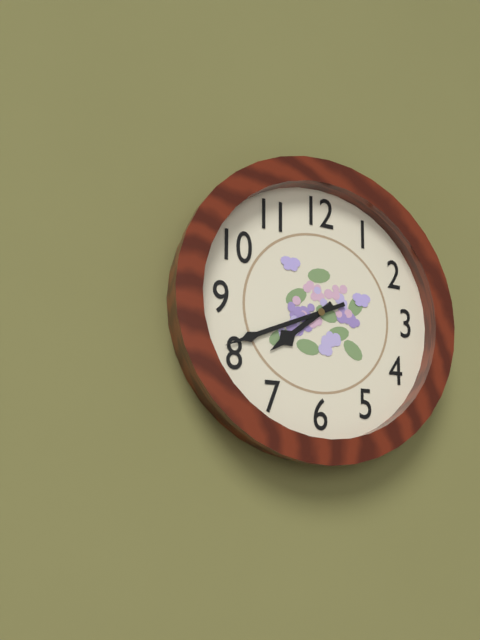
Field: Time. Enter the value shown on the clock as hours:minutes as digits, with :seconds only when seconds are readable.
7:41
